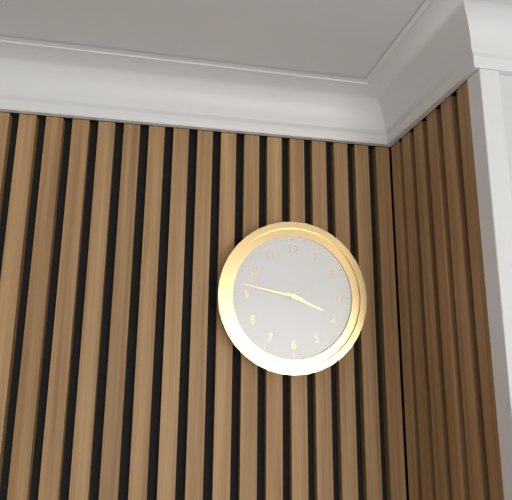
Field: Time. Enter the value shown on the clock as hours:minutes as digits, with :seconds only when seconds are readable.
3:47
